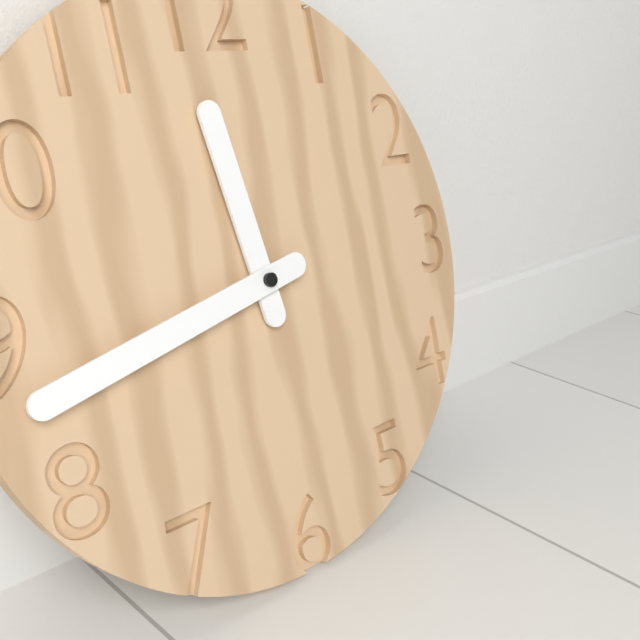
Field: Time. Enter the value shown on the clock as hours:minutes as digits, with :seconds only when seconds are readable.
11:43
